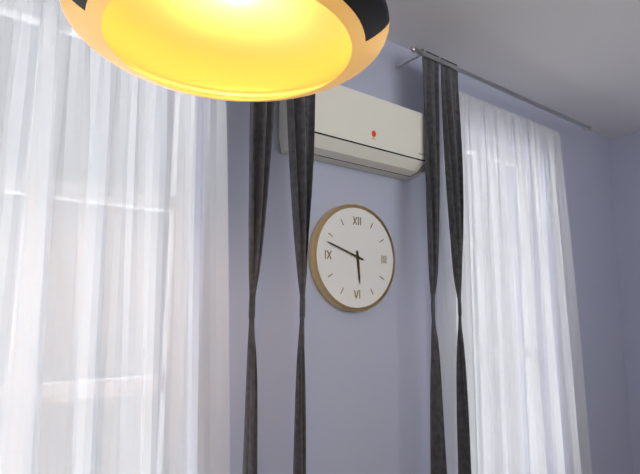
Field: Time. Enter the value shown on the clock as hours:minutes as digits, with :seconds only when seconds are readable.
5:48
